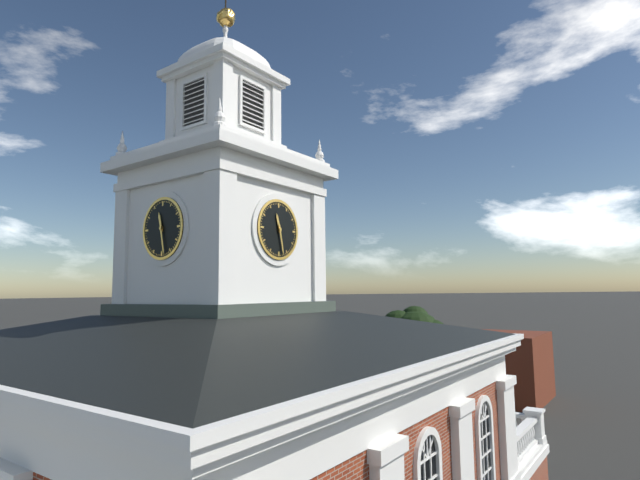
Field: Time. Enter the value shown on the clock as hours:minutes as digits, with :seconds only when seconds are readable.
11:28
